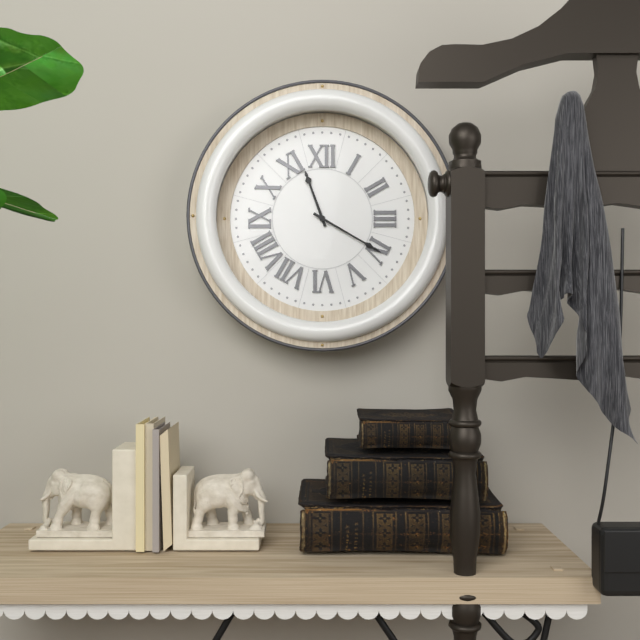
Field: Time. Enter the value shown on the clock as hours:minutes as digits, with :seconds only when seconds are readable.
11:20
